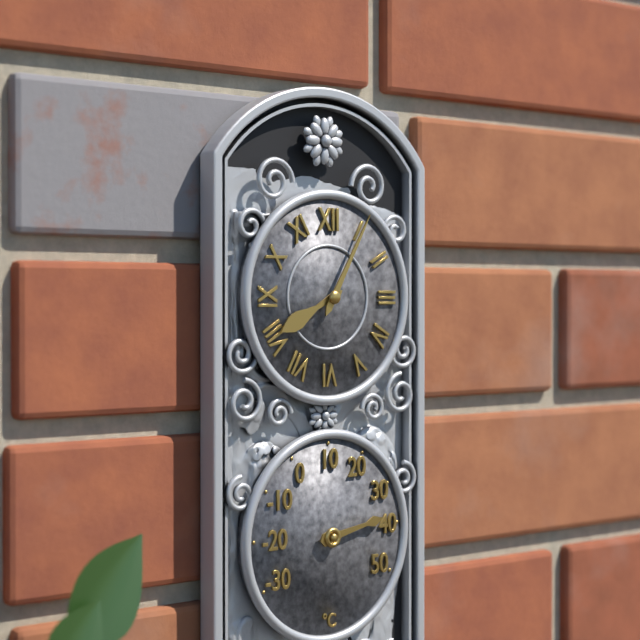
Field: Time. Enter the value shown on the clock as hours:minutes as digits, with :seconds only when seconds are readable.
8:05
